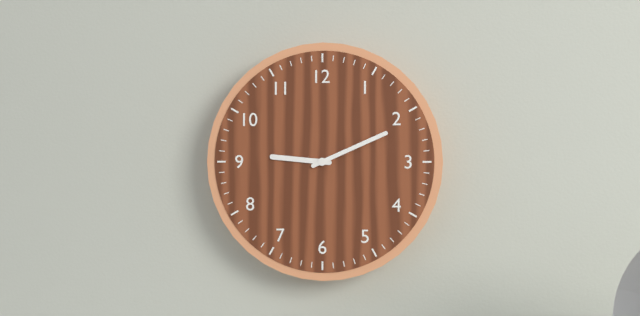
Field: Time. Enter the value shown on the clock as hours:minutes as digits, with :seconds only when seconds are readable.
9:11
